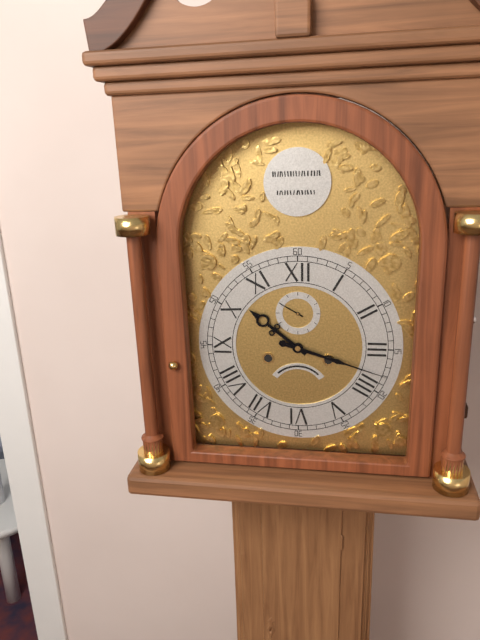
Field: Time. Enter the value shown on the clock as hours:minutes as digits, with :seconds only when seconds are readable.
10:18
